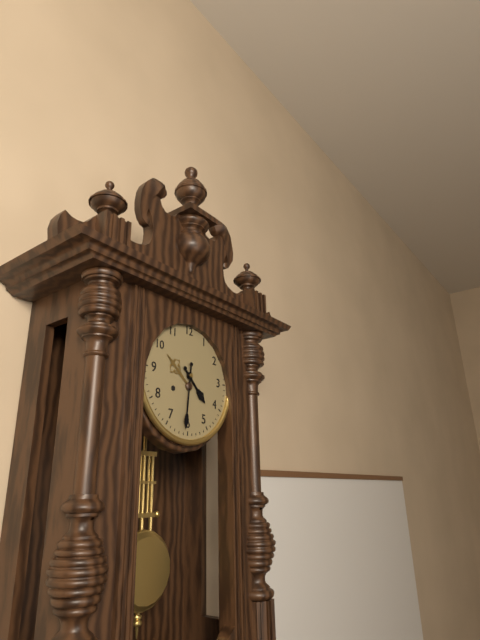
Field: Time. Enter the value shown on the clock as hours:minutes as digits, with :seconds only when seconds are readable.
4:31
